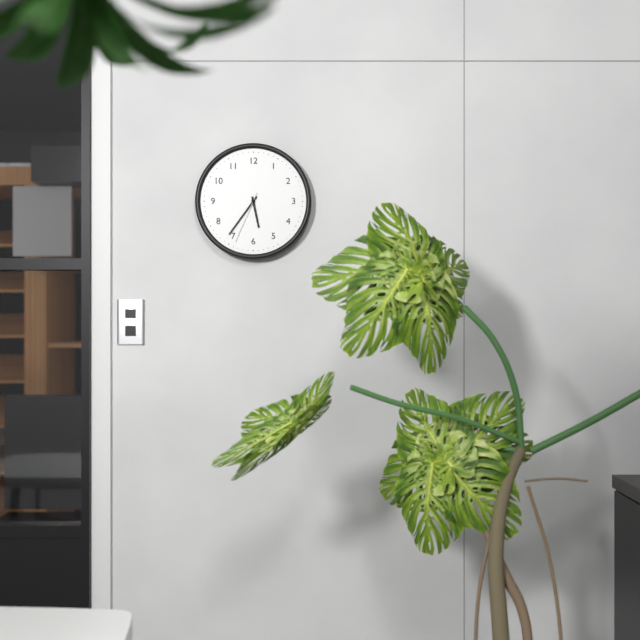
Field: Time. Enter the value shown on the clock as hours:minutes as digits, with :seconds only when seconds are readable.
5:36:34
